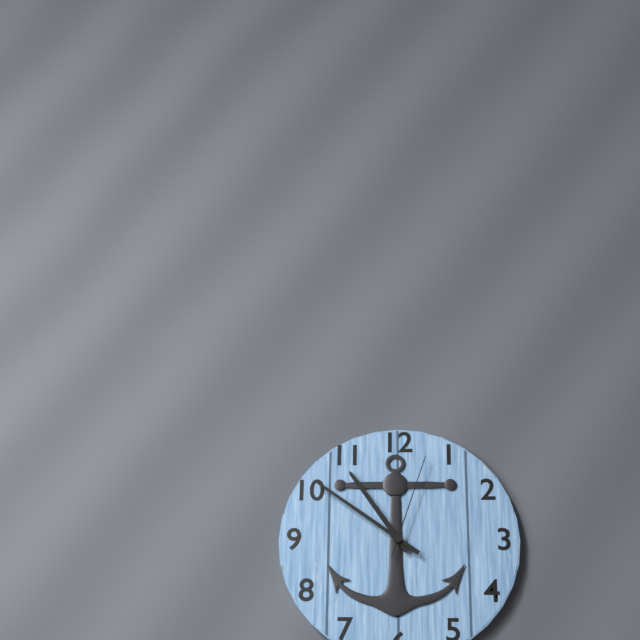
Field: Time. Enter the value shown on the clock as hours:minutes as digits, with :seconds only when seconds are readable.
10:51:03
